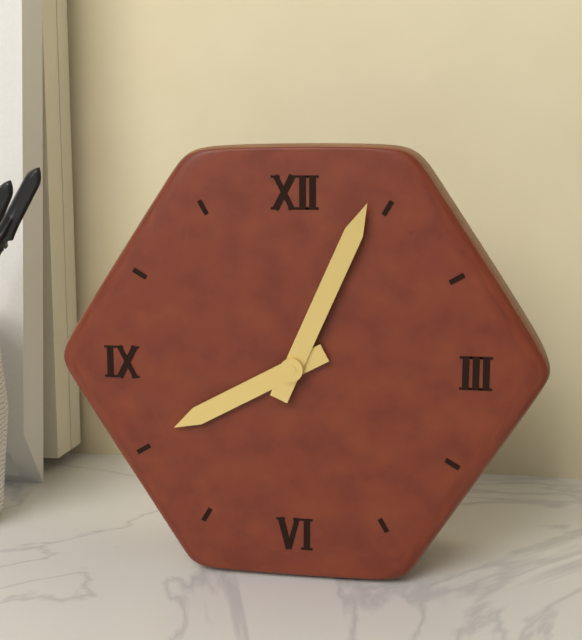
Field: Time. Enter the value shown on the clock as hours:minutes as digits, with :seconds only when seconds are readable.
8:04
